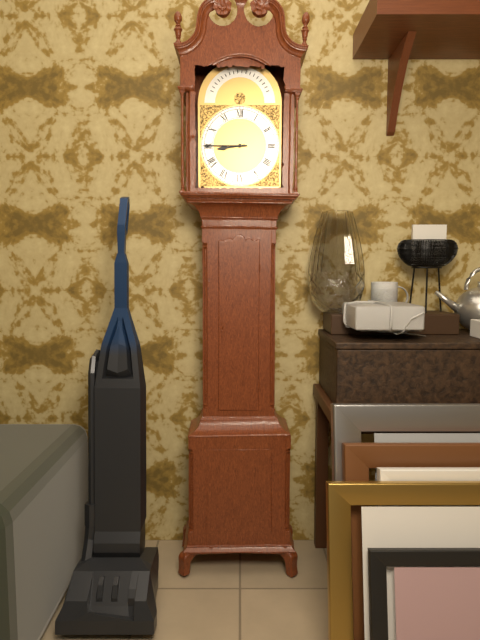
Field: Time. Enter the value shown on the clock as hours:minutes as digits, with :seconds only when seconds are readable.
8:45
